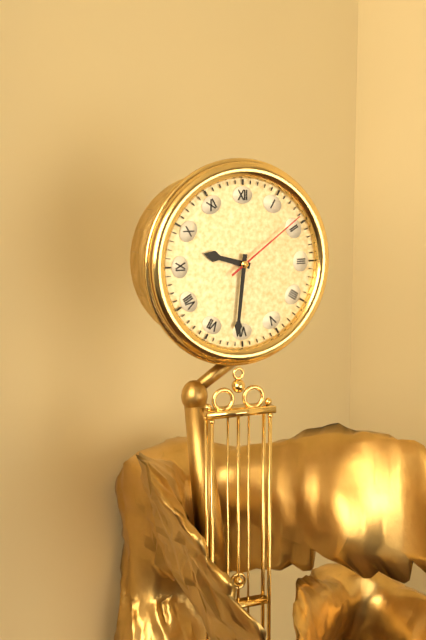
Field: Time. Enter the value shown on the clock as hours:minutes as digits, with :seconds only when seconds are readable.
9:31:09
